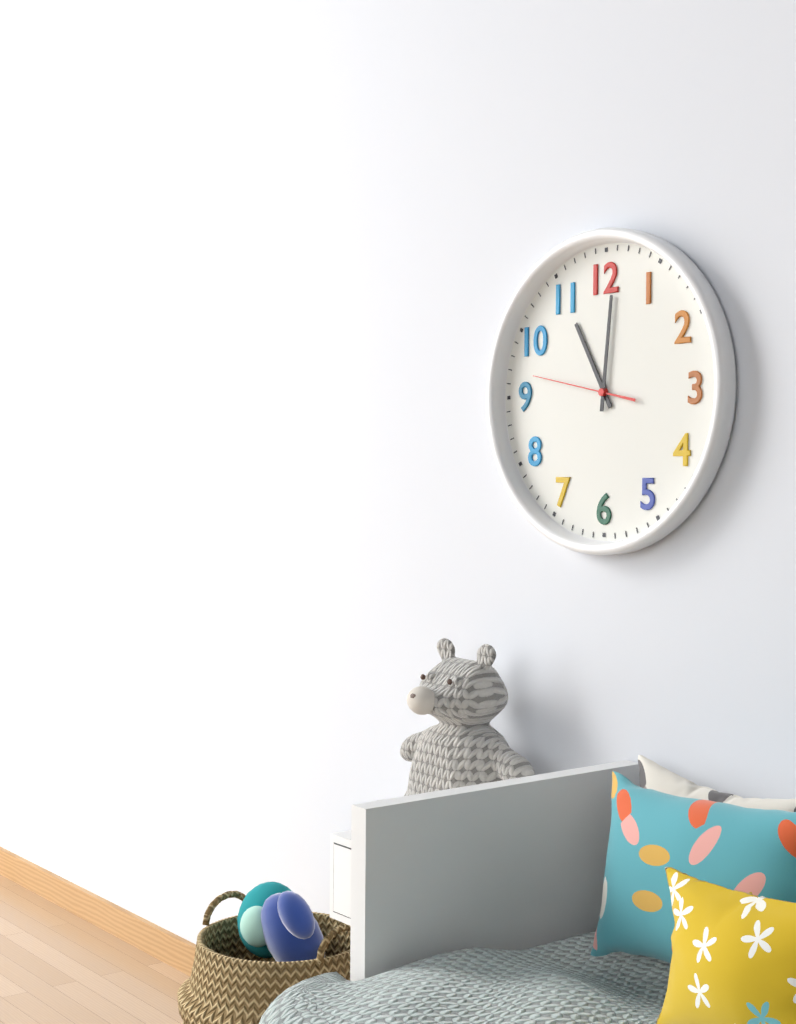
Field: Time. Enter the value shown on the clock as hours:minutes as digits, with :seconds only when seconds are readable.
11:01:47
